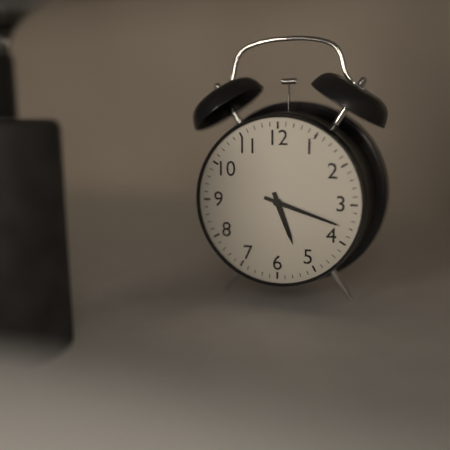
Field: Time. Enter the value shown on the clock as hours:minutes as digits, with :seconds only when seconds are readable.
5:18
